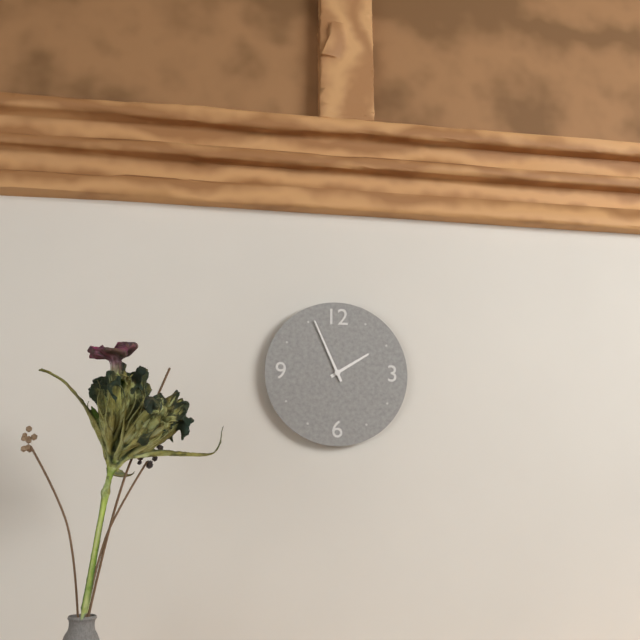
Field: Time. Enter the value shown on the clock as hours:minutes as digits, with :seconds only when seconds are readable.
1:56
